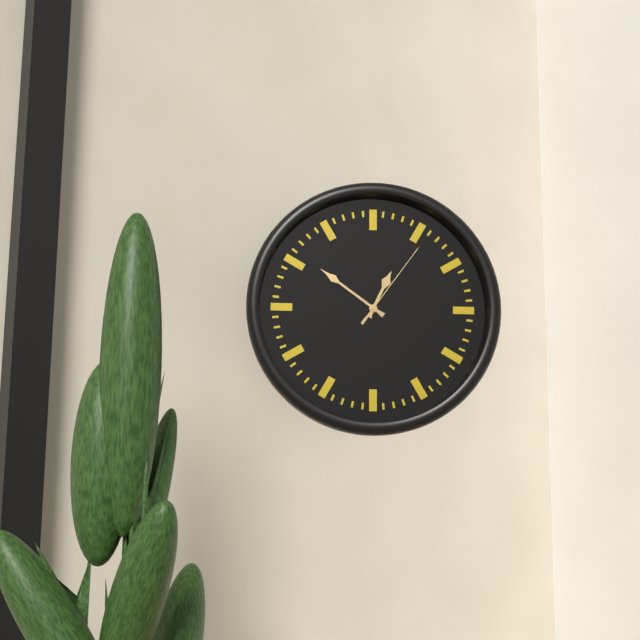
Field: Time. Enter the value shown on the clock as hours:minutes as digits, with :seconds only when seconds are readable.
12:51:06
